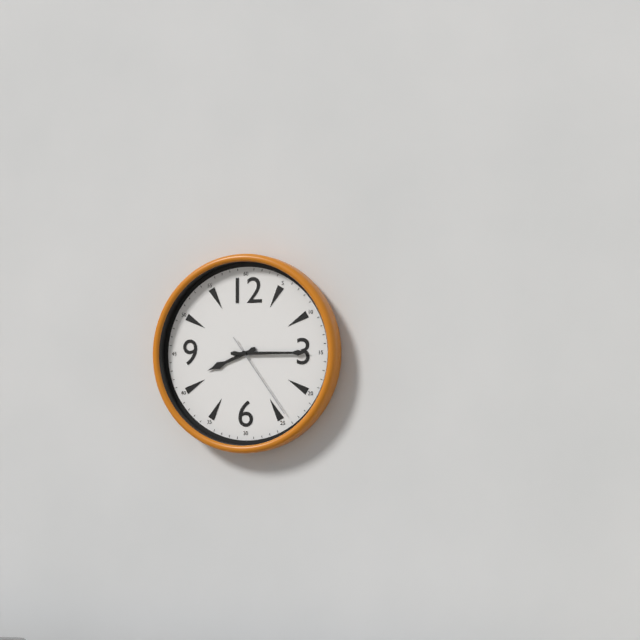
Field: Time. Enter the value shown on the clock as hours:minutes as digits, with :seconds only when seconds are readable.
8:15:24
